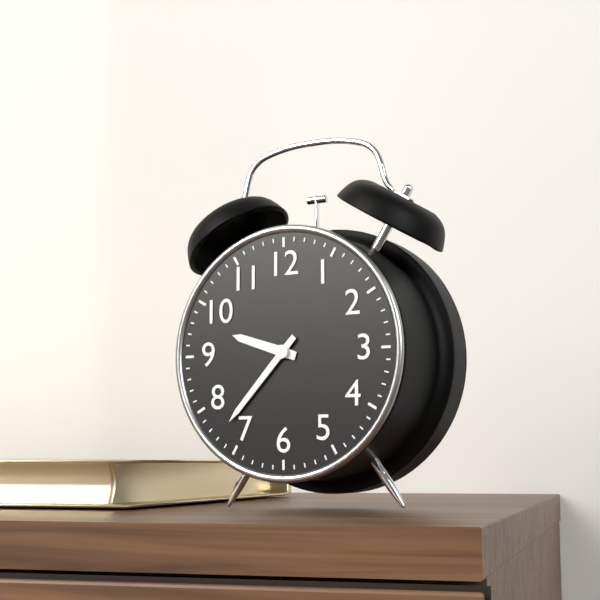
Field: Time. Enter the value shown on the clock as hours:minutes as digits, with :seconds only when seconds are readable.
9:37
